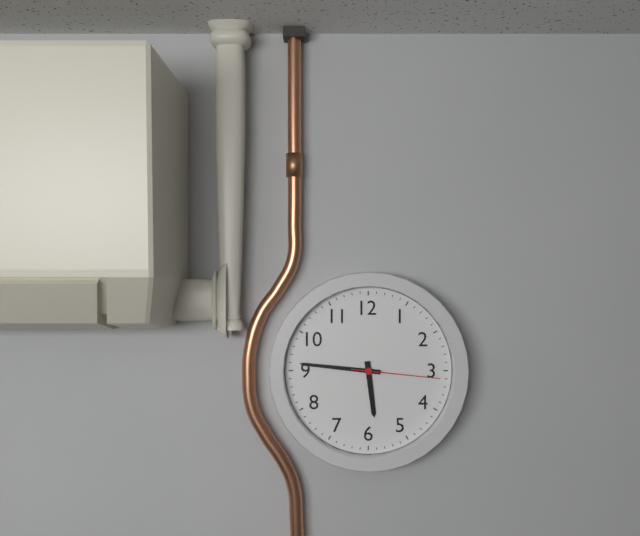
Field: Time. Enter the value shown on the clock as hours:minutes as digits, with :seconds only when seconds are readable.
5:46:16
